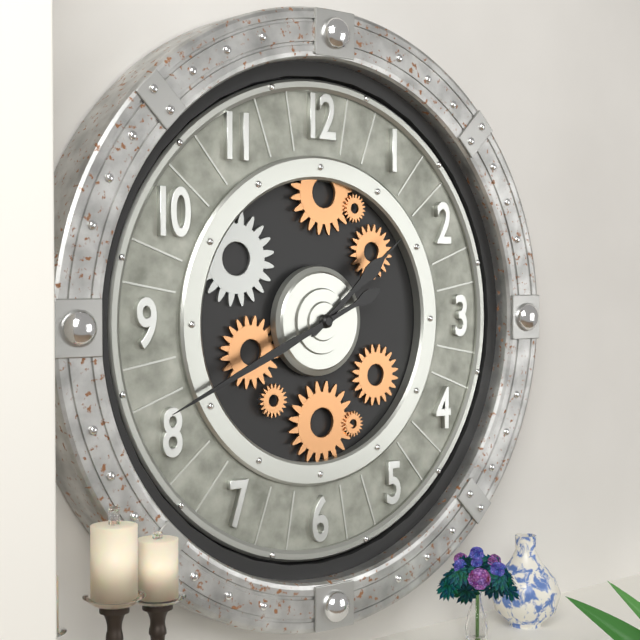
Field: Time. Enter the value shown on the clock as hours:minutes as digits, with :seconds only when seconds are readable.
1:41
